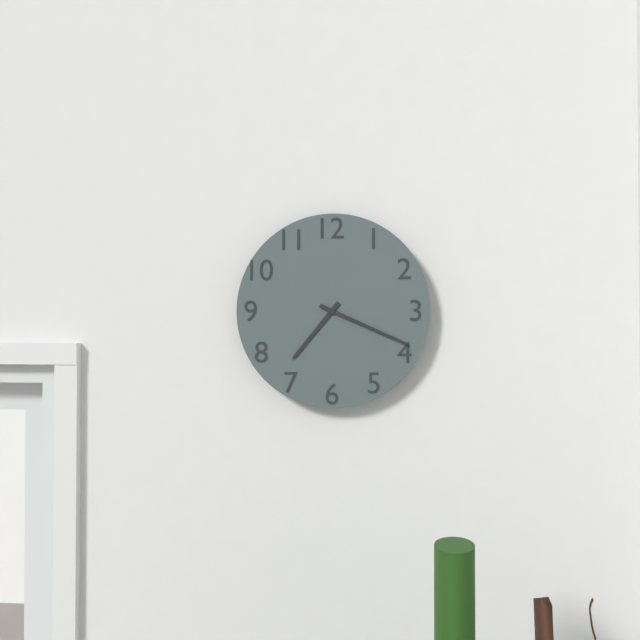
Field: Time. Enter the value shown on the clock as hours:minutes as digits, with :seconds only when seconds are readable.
7:19
